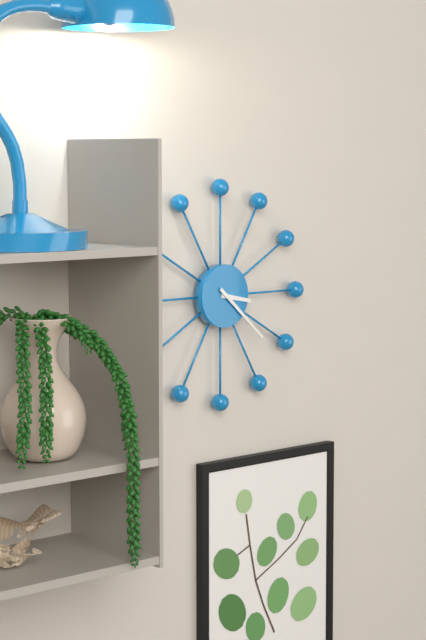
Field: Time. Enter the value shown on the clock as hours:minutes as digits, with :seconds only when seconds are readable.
3:22
